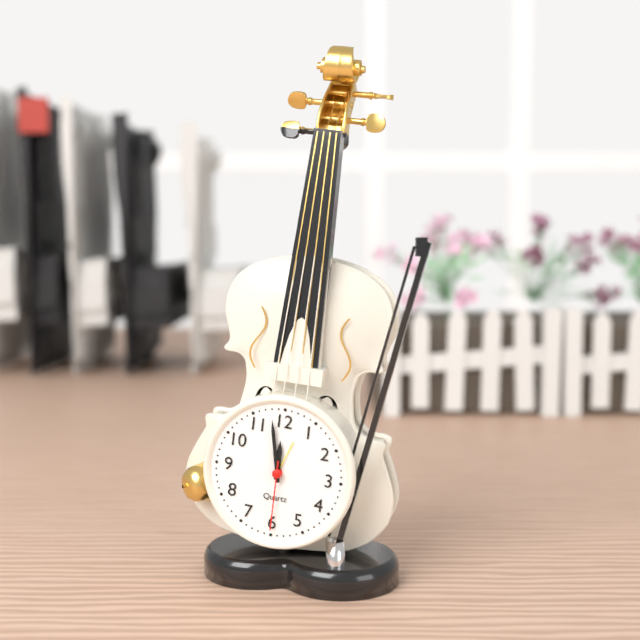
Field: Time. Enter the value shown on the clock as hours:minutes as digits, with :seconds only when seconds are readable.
11:58:30
